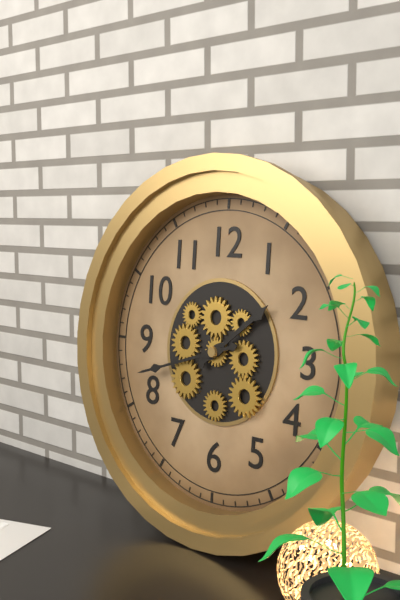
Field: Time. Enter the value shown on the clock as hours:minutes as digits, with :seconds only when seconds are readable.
1:42
